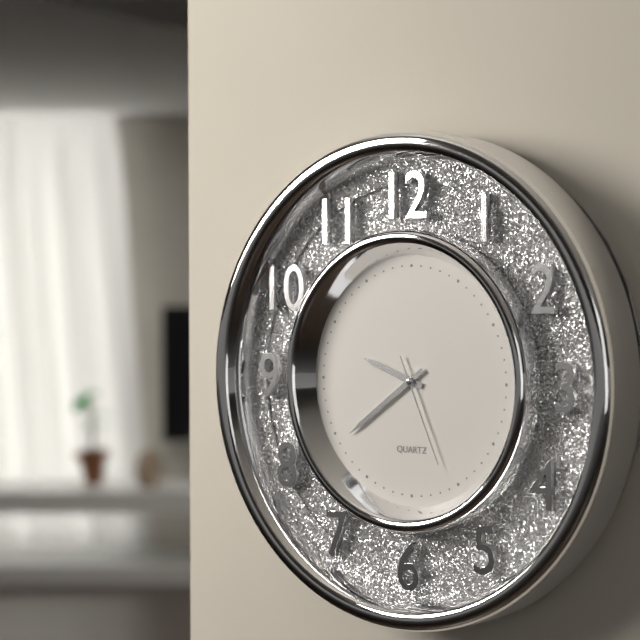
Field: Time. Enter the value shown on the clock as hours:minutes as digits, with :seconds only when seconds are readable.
9:39:26
